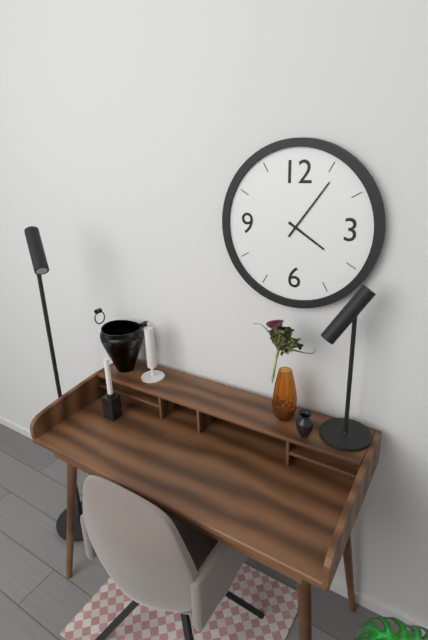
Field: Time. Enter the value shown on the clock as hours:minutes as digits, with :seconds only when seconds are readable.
4:06
